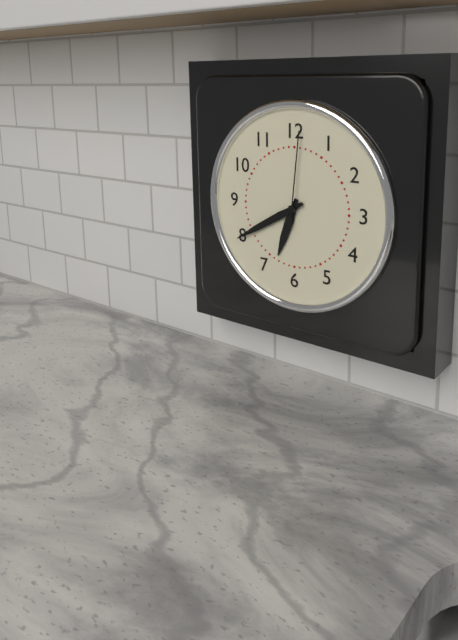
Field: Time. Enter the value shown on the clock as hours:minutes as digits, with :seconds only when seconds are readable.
6:40:01
